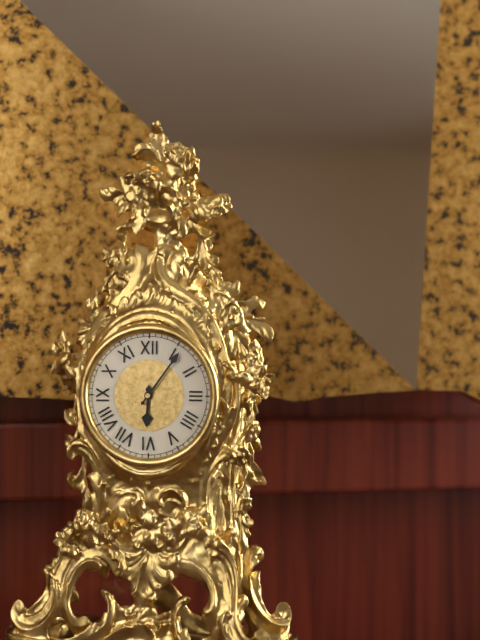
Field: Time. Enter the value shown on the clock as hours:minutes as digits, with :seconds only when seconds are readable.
6:06
